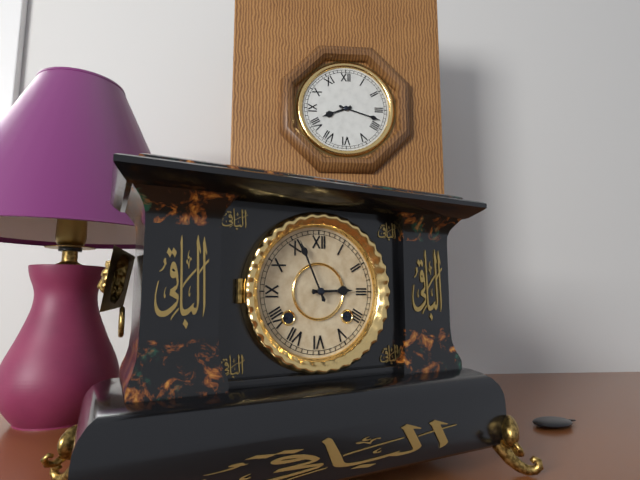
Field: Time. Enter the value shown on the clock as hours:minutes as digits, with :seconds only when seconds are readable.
2:56
